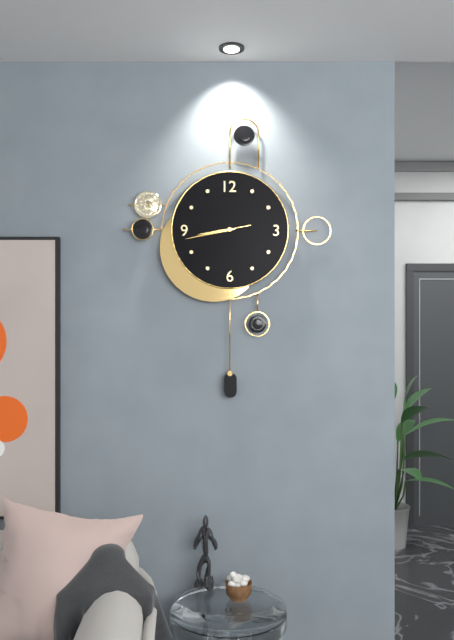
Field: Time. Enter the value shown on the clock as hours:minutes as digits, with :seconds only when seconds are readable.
8:43:43
